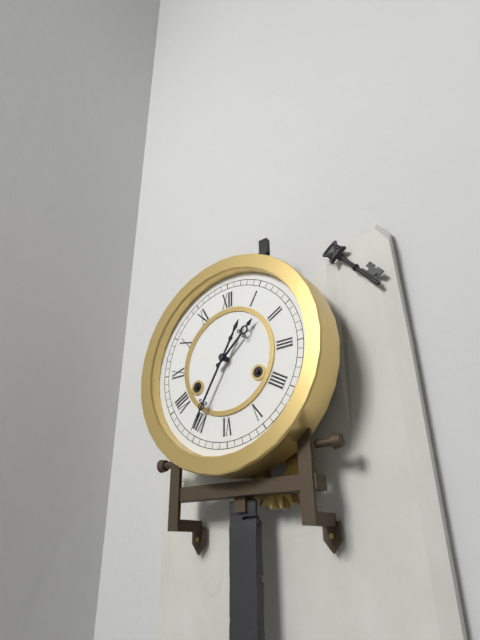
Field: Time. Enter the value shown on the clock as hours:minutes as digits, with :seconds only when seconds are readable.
1:35
